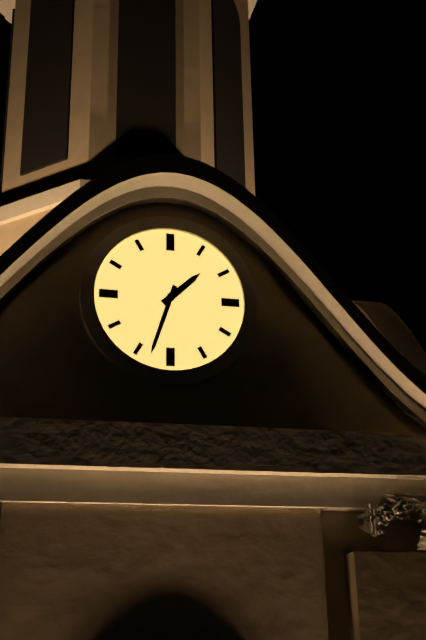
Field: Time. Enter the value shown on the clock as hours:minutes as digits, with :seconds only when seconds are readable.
1:33
